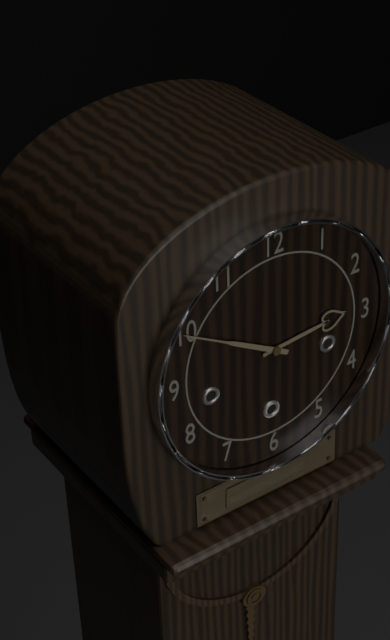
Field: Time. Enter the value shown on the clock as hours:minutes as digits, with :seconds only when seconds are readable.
2:50
